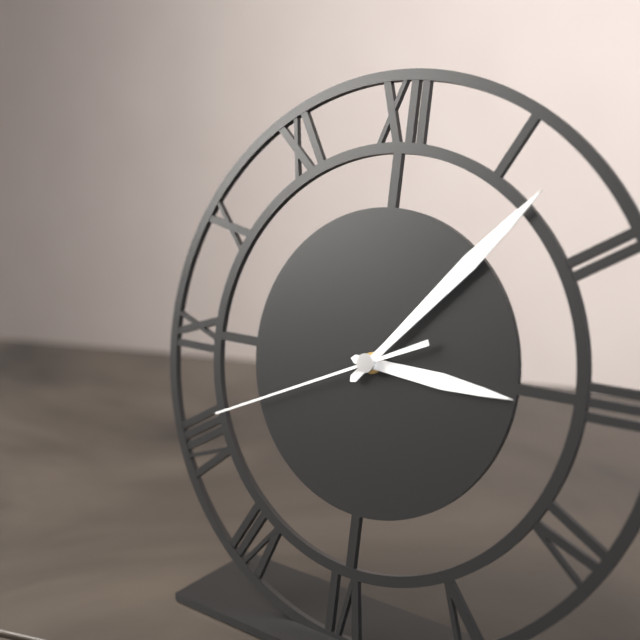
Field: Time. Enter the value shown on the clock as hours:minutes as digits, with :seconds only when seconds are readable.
3:07:41
